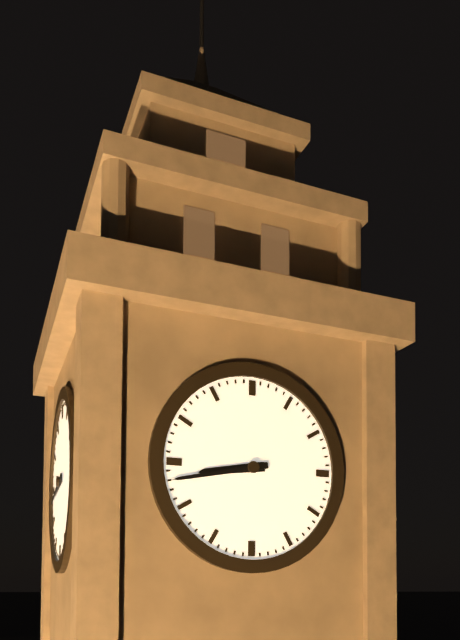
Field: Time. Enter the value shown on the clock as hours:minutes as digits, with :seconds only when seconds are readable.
8:43
